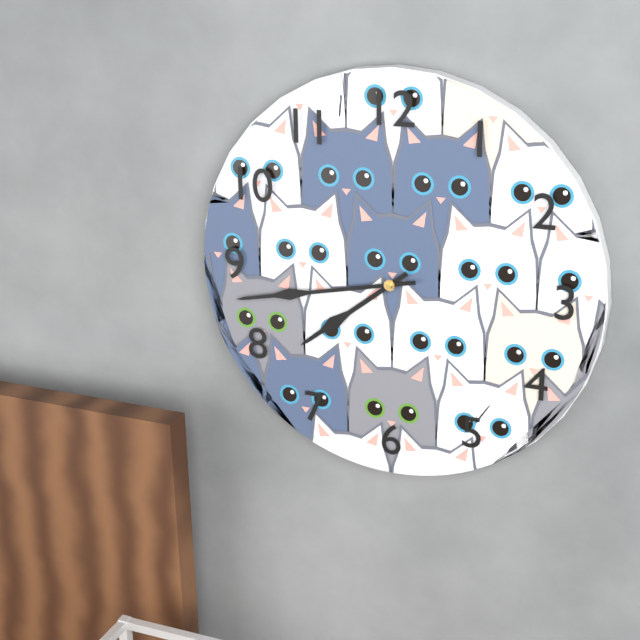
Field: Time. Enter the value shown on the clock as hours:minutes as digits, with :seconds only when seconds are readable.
7:43
